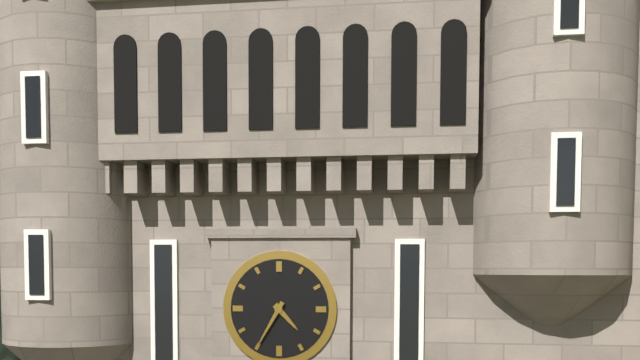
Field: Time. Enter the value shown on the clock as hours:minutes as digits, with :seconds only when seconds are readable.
4:35
